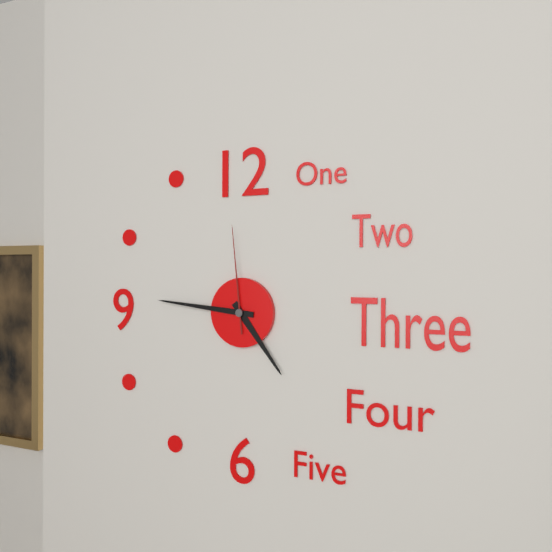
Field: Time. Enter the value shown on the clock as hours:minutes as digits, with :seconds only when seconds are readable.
4:46:59
